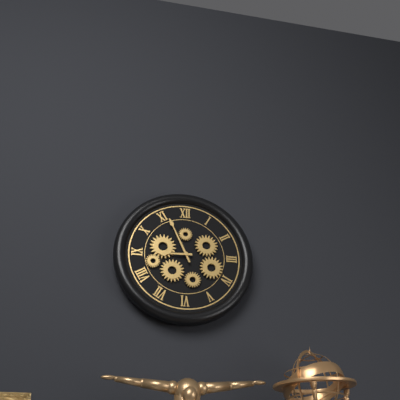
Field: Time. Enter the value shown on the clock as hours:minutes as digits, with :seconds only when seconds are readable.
8:56
